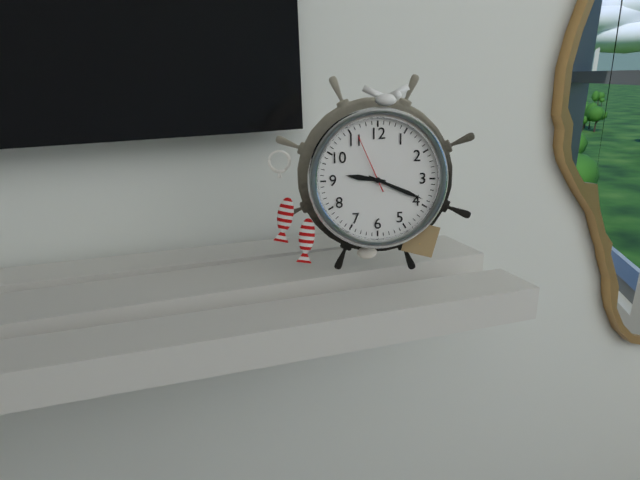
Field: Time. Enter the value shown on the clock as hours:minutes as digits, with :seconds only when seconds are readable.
9:19:56
